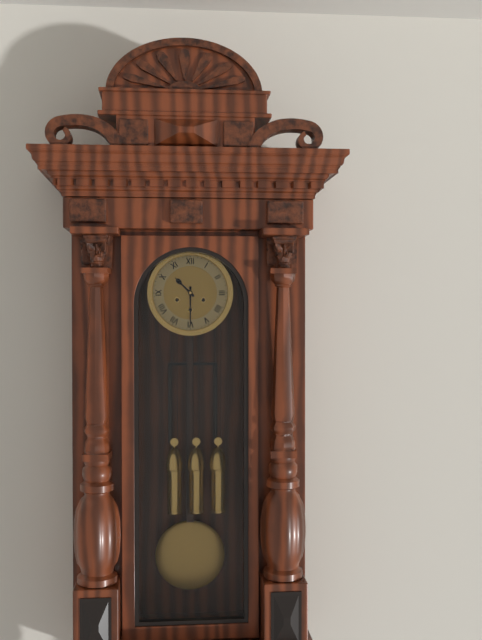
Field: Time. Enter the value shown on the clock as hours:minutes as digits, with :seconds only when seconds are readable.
10:30
